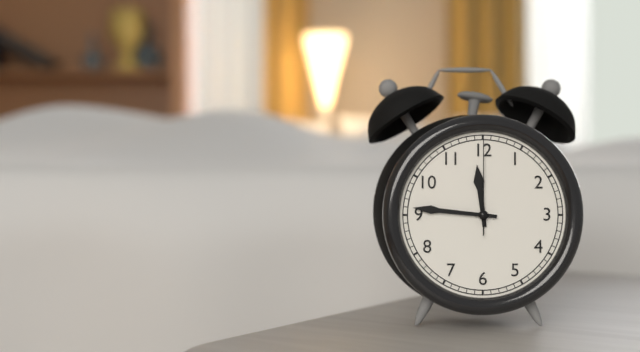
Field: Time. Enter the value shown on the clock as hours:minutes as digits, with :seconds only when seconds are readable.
11:46:00
